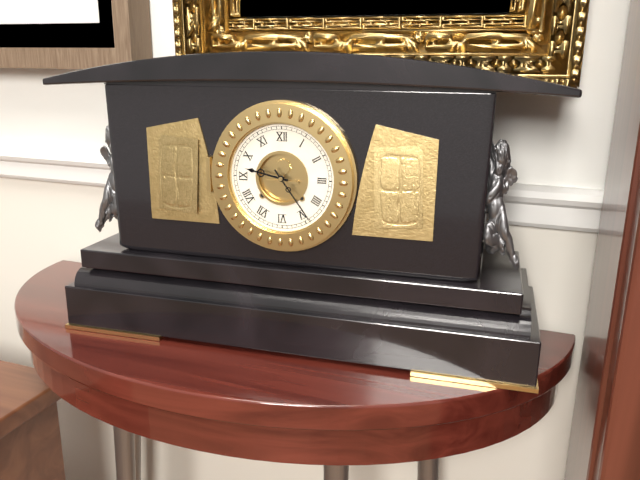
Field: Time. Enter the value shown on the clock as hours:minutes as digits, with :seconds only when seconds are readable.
9:24
